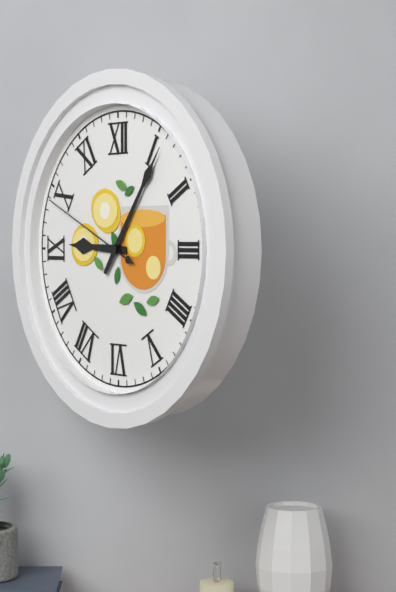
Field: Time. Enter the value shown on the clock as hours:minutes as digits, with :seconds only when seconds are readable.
9:06:49
